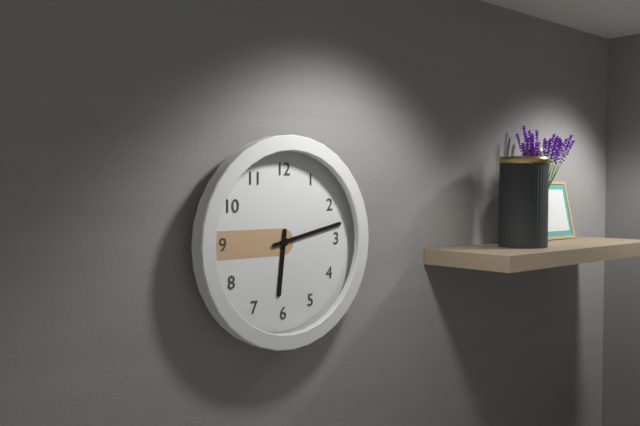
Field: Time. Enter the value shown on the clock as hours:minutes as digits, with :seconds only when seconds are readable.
6:13
